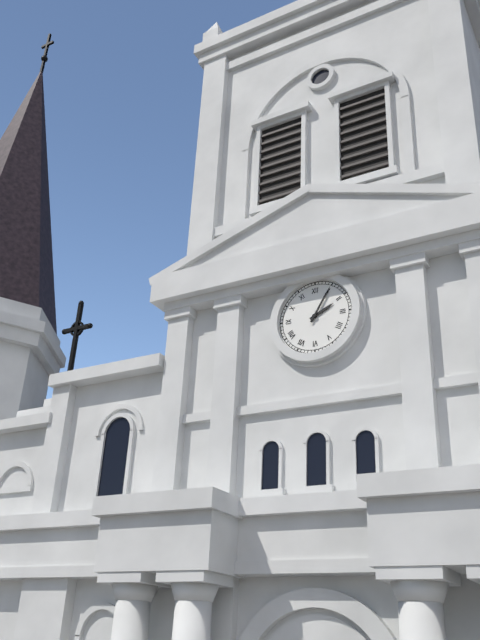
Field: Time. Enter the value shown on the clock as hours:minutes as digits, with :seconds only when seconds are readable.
2:05
